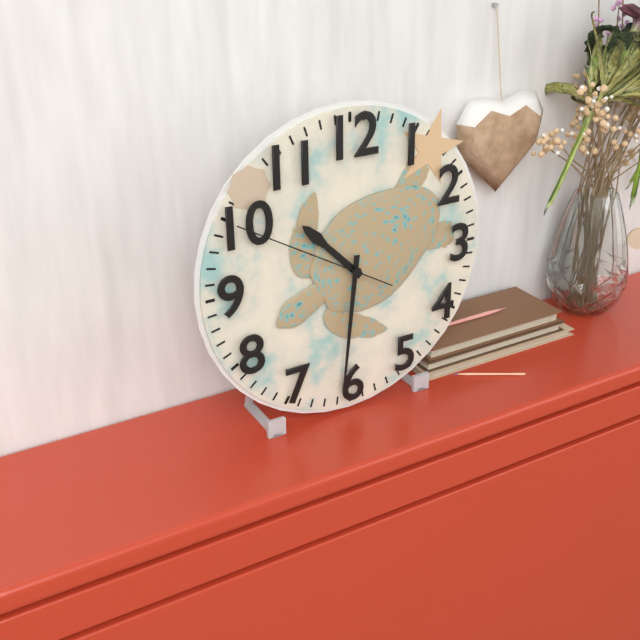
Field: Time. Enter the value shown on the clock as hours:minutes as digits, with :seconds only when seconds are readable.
10:31:50
